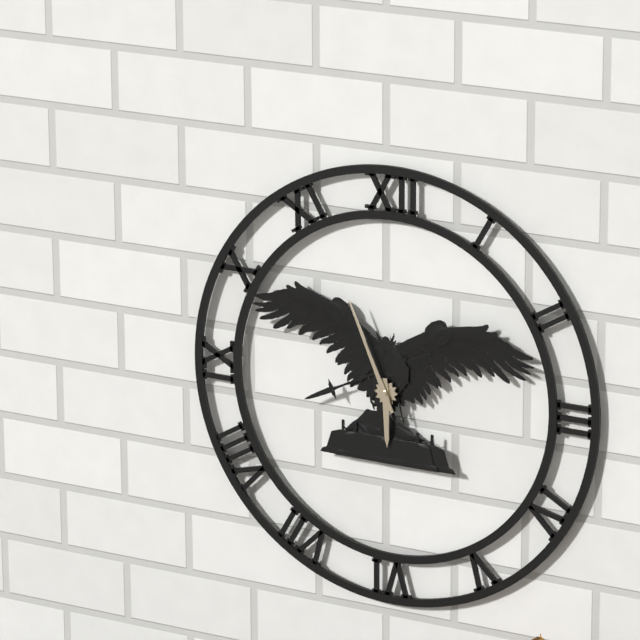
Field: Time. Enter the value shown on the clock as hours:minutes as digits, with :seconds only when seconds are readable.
5:56
